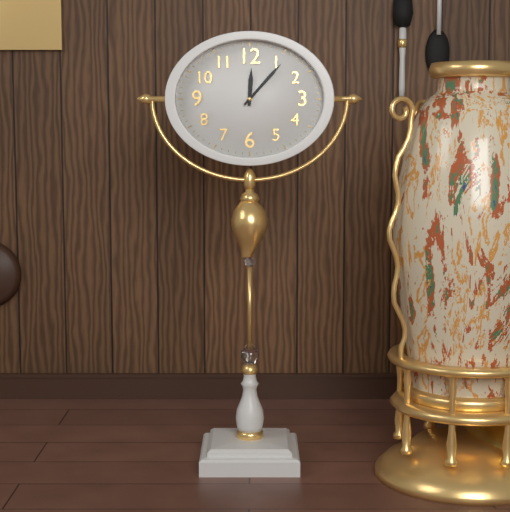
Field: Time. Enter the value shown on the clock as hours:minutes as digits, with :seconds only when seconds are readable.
12:07
